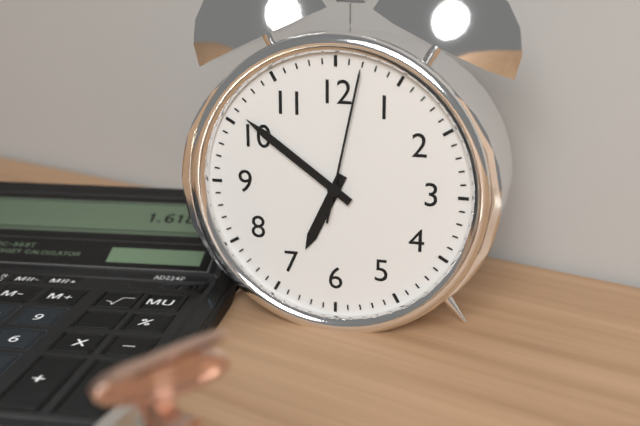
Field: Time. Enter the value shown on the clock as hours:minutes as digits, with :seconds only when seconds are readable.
6:51:02
